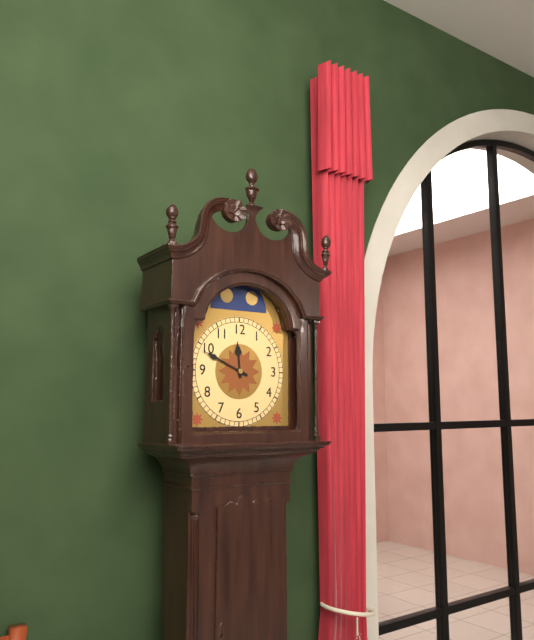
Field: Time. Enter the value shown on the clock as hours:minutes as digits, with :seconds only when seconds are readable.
11:49
